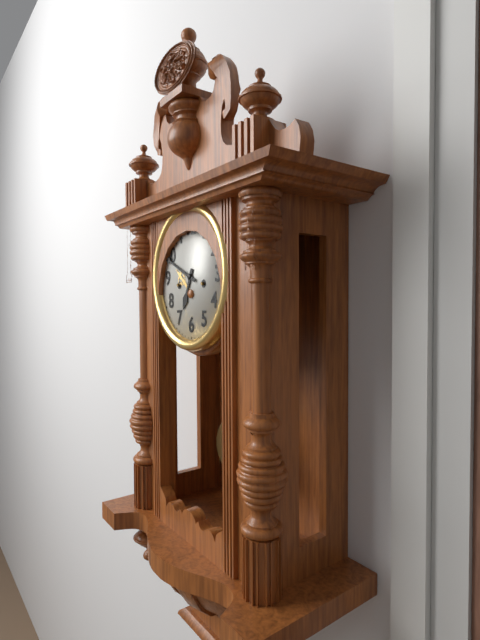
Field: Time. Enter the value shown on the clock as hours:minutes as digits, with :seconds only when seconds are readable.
6:49
